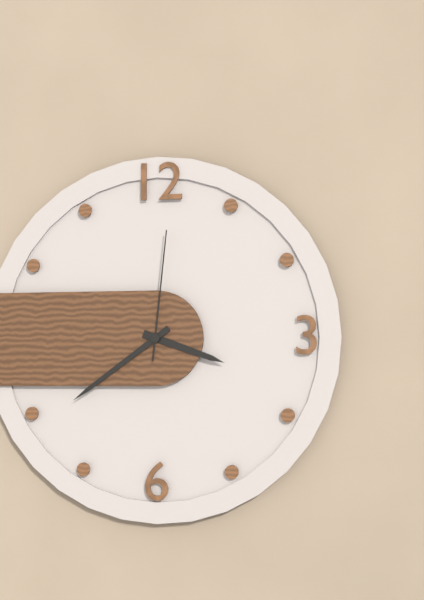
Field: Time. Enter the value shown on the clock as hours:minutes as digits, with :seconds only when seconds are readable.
3:39:01
